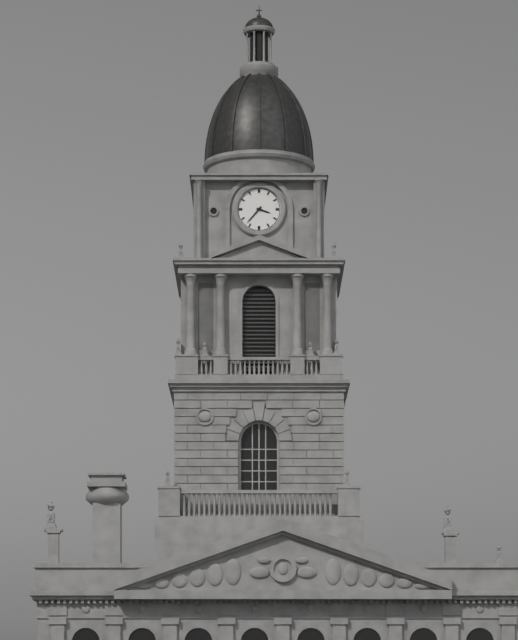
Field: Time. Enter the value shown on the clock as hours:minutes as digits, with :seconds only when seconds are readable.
3:37
